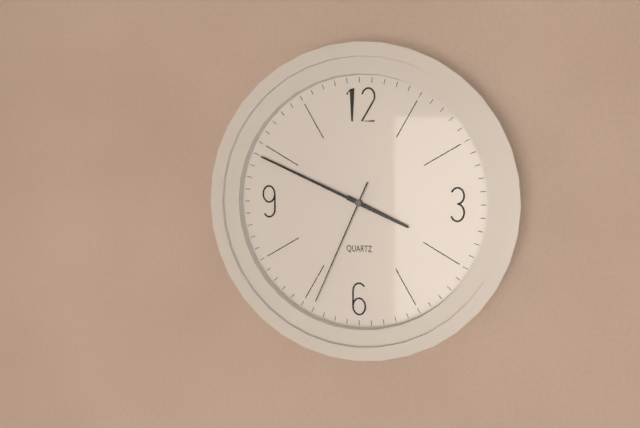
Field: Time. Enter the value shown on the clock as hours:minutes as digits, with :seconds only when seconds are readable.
3:49:34
